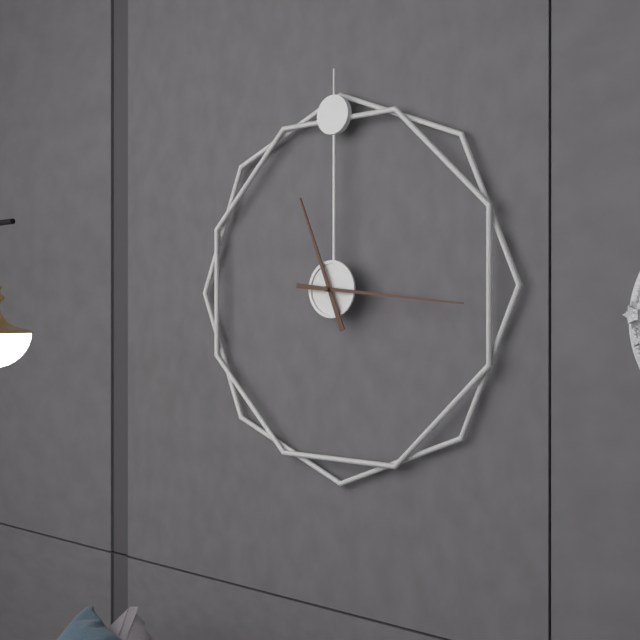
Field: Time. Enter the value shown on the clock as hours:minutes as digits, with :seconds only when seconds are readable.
11:16
